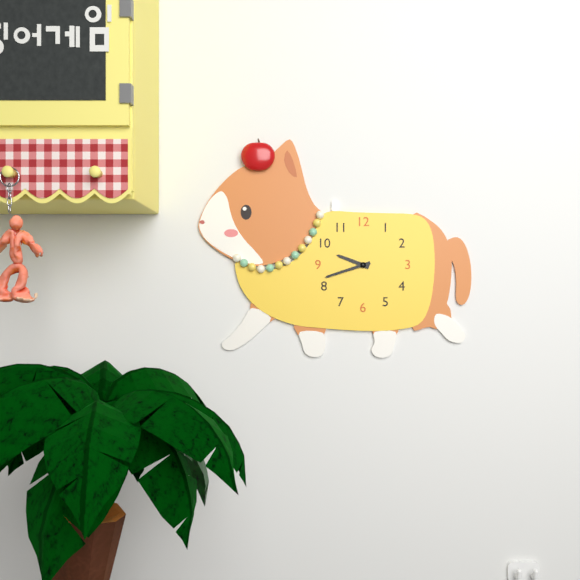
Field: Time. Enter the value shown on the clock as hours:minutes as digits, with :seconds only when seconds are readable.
9:42
